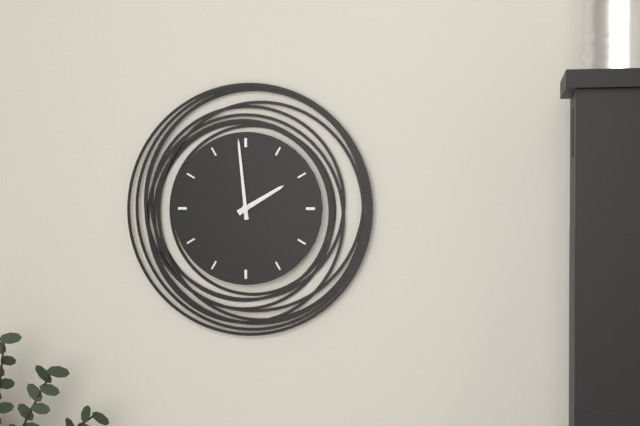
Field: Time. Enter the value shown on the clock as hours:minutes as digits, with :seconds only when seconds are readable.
1:59
